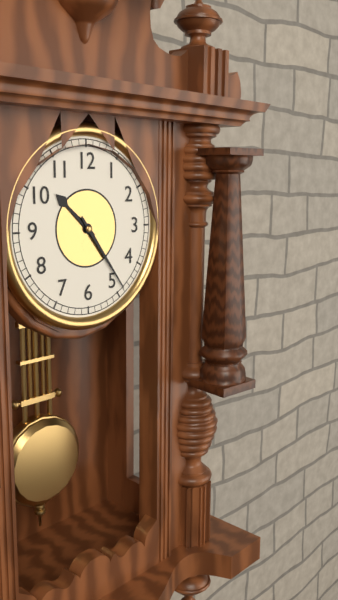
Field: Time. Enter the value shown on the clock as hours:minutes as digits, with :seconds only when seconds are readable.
10:24
